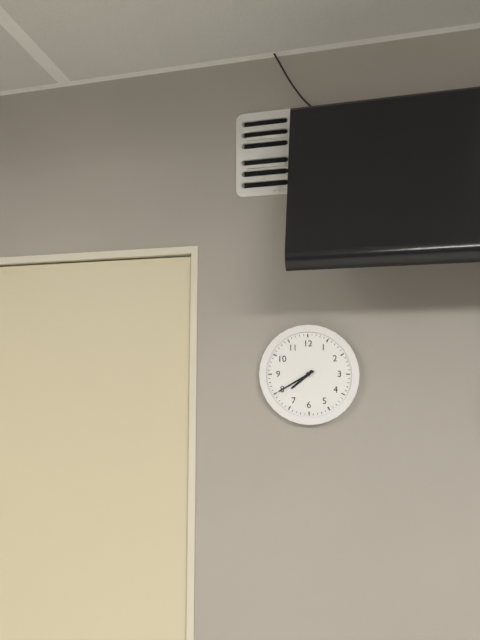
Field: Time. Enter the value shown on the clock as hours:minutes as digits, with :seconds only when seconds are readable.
7:40
